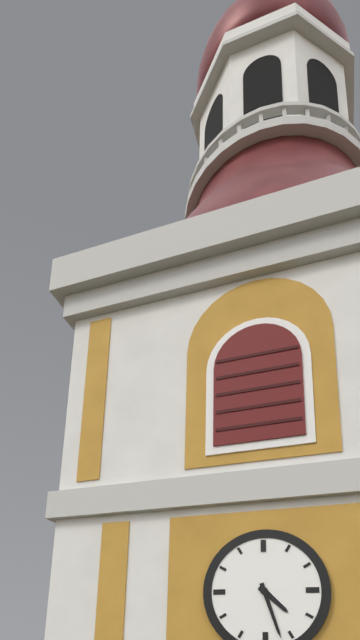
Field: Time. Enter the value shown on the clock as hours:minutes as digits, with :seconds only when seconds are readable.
4:27
